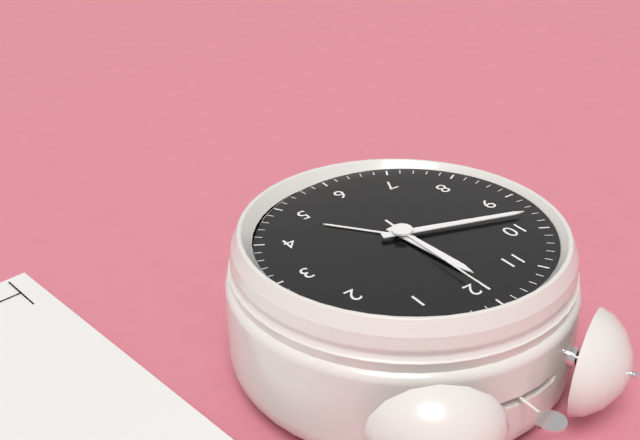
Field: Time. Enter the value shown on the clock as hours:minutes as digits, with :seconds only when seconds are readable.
11:48:00
